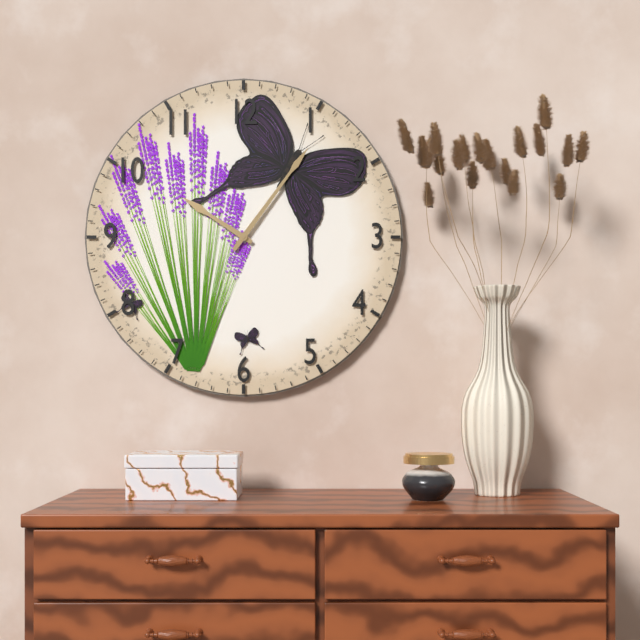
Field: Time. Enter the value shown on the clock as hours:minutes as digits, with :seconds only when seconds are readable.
10:06
